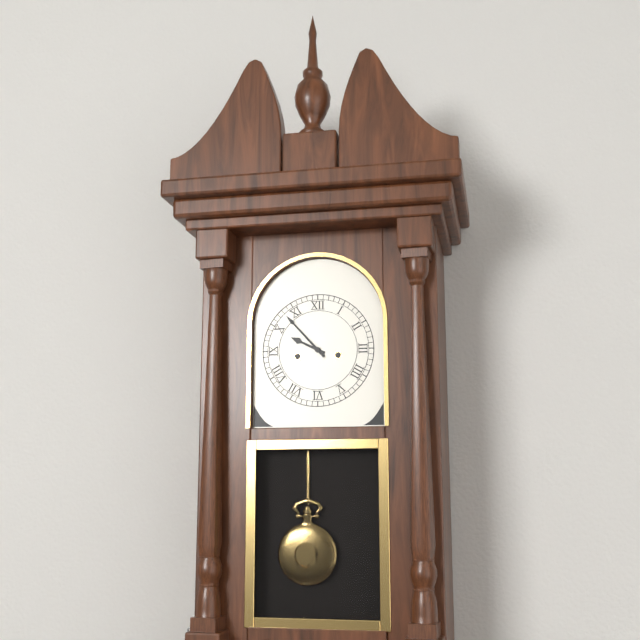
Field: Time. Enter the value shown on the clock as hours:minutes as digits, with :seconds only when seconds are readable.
9:53
